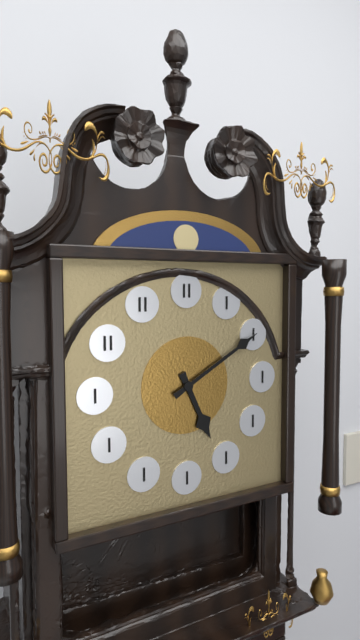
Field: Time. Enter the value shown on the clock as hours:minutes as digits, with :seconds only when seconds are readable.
5:10
